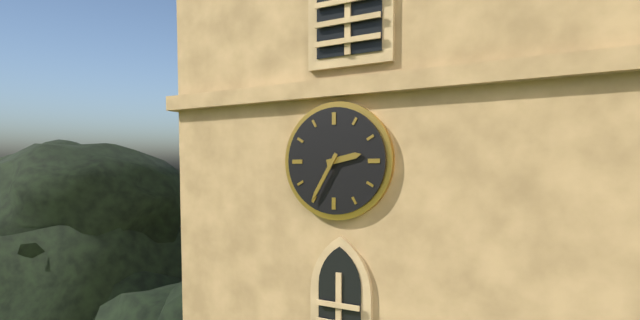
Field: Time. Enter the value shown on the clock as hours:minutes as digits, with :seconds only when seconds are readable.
2:35
